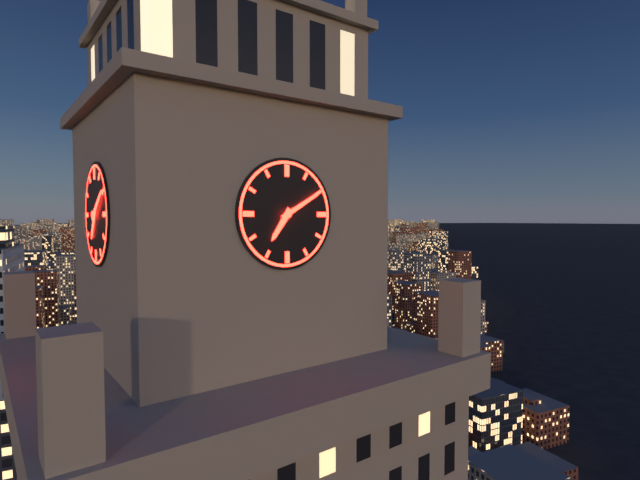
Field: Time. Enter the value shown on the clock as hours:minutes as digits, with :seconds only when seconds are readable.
7:10
